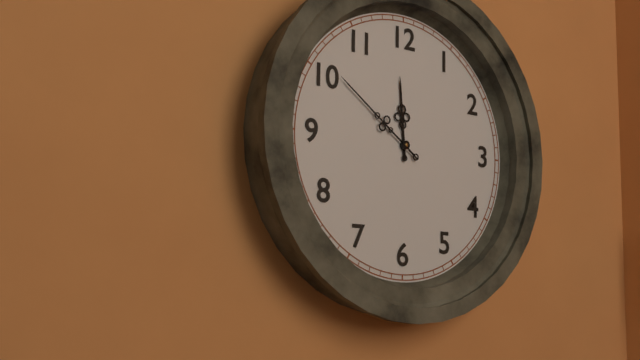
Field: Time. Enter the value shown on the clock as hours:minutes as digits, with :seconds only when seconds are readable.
11:51
